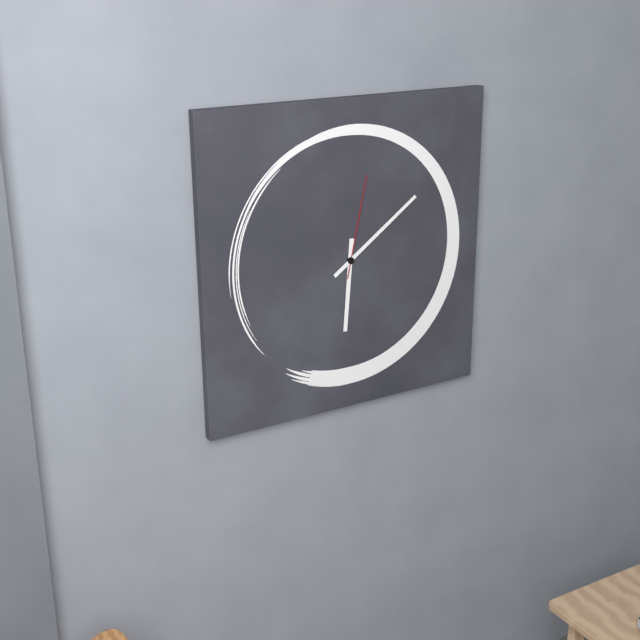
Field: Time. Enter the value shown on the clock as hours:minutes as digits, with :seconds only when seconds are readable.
6:09:02
